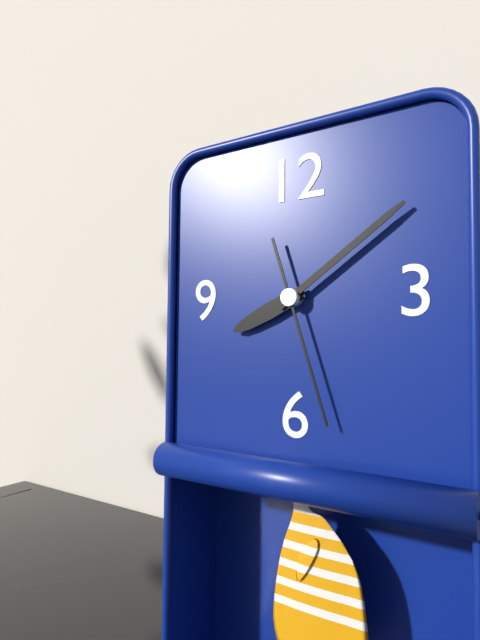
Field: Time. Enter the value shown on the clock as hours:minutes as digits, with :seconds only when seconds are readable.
8:09:27
